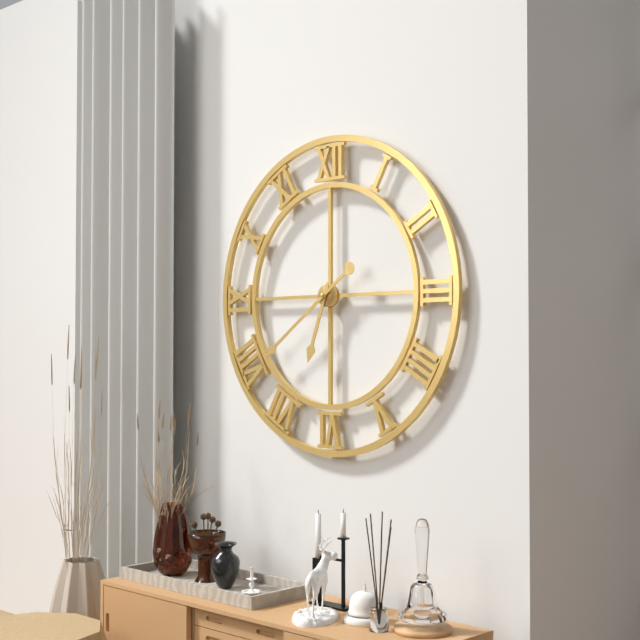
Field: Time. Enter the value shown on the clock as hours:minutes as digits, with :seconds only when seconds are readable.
6:39
